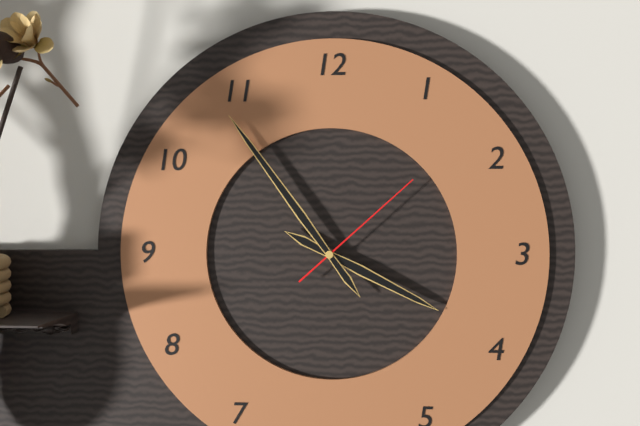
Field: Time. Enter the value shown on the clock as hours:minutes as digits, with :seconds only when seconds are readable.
3:54:08
